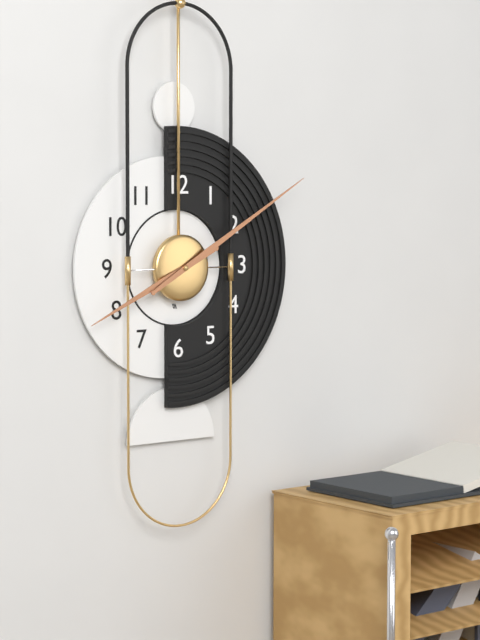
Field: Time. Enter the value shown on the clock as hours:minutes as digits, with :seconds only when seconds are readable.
8:10
